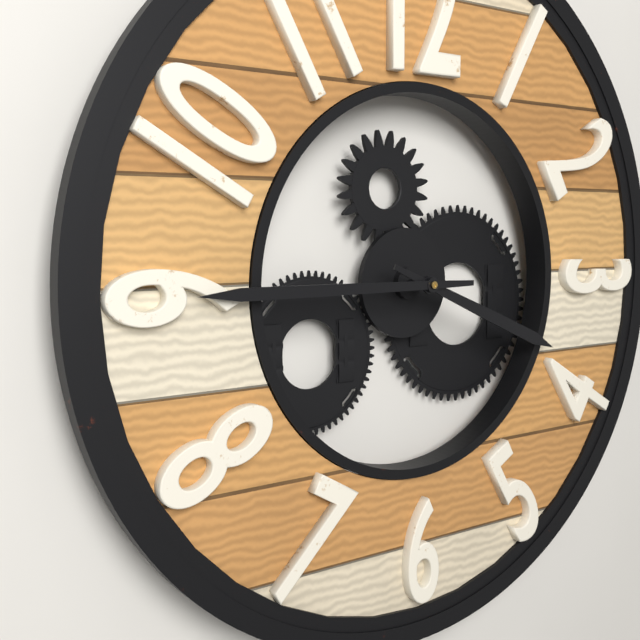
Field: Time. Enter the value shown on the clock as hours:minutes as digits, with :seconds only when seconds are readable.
3:45
